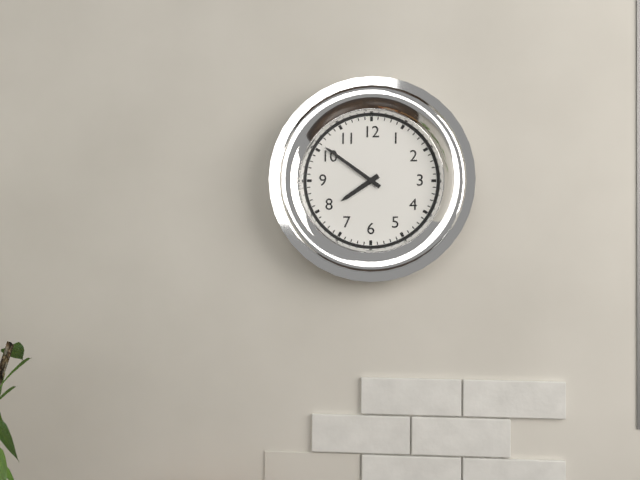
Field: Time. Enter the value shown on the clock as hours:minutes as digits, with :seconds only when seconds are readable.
7:51
